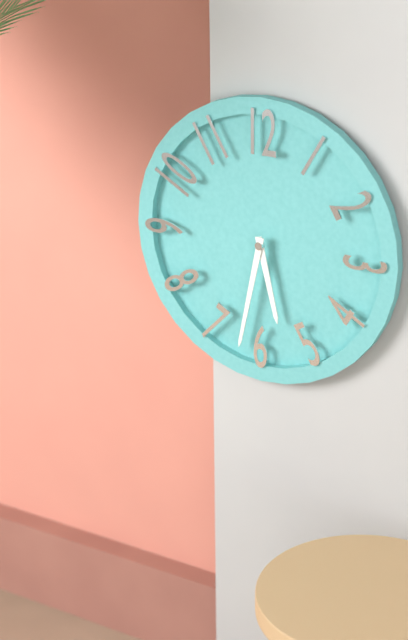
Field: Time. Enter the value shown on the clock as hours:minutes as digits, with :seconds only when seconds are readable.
5:32
